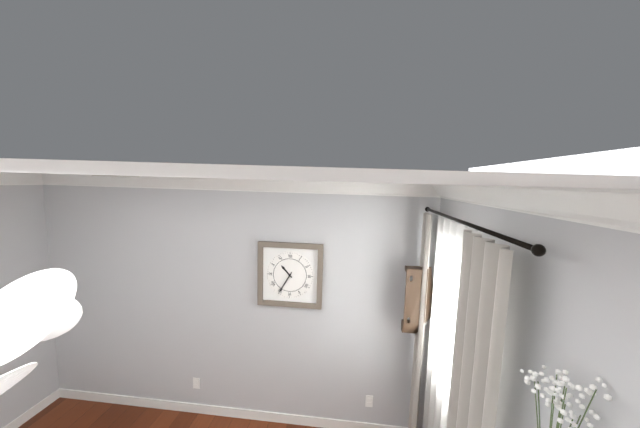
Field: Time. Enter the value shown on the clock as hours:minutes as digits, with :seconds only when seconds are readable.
10:35
